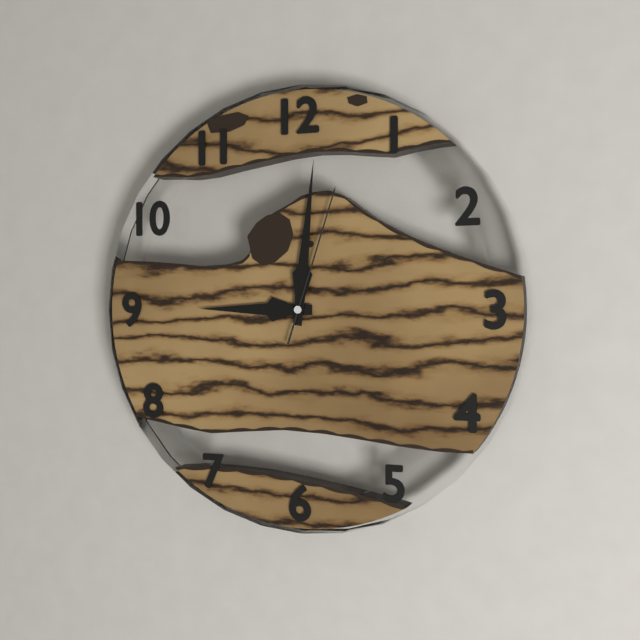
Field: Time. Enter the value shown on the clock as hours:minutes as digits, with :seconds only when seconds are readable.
9:01:03
